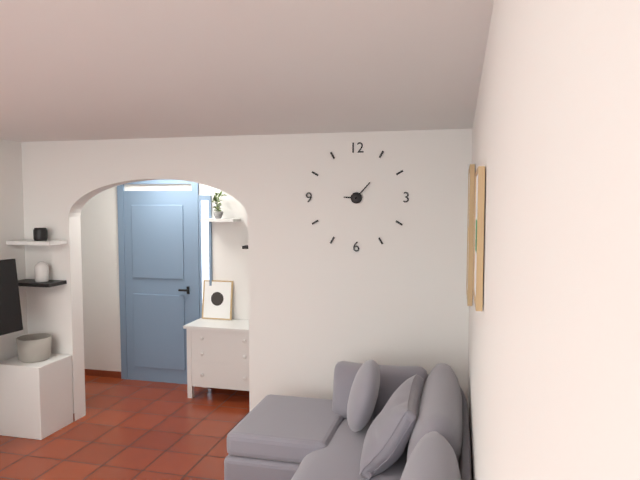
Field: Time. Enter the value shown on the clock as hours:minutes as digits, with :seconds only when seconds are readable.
9:07
